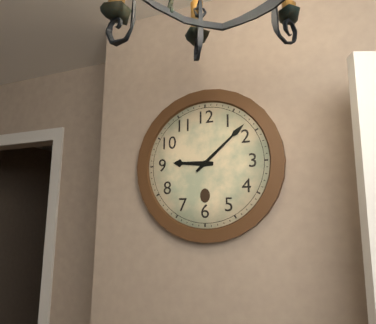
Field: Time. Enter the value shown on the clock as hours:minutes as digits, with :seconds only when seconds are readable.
9:08
